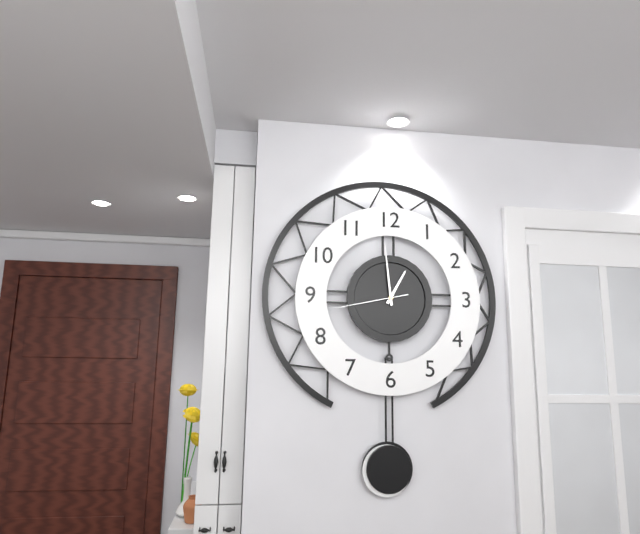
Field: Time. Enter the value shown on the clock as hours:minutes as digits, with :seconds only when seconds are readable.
12:59:43
